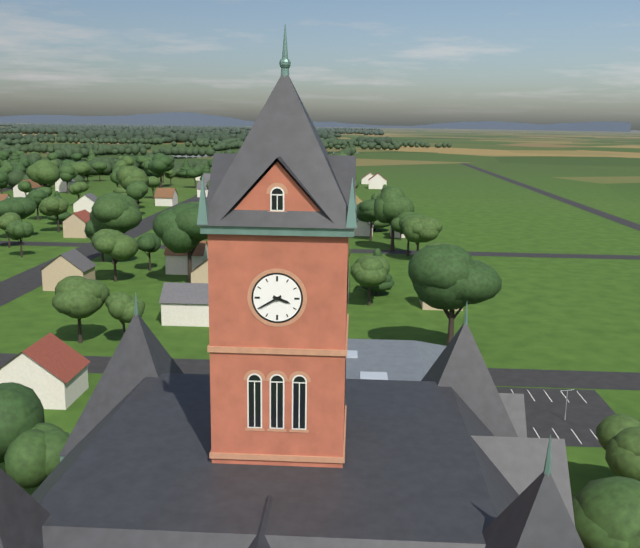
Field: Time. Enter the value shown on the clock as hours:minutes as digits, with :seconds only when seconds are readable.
3:40
